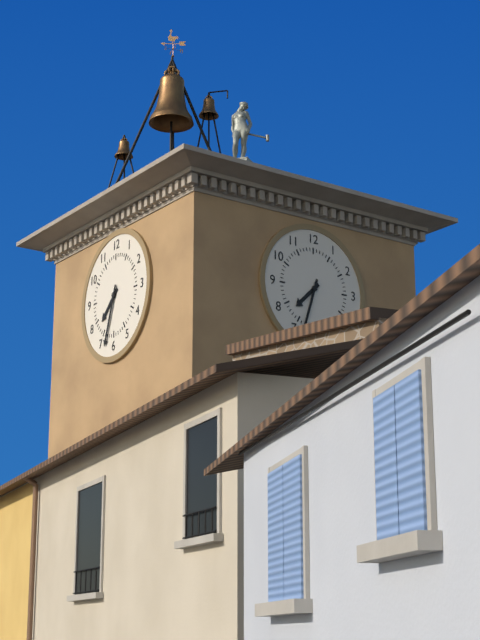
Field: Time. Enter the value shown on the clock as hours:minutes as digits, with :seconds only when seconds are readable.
7:33
